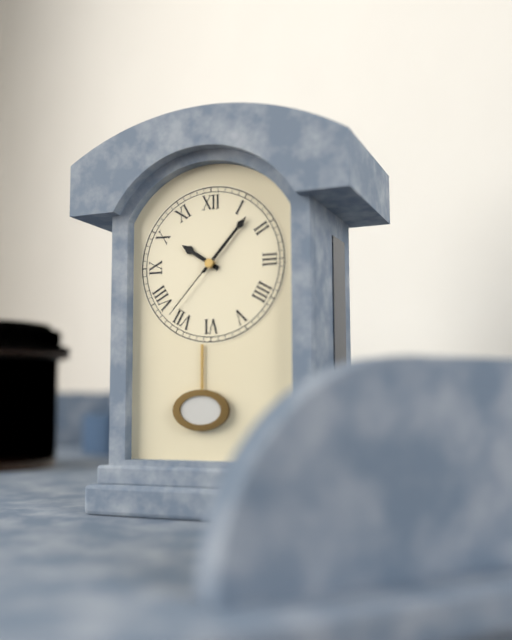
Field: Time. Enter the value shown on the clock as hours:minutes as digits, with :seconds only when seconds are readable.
10:07:37
